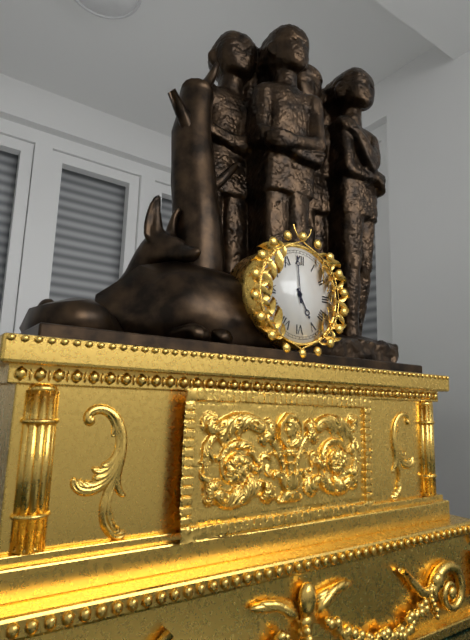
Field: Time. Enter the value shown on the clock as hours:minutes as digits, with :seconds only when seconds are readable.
4:59
